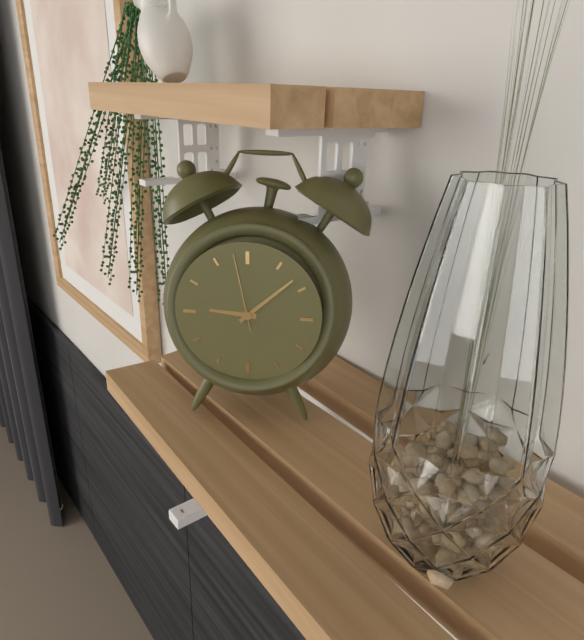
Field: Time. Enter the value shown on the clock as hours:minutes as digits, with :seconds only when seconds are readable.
9:08:58
